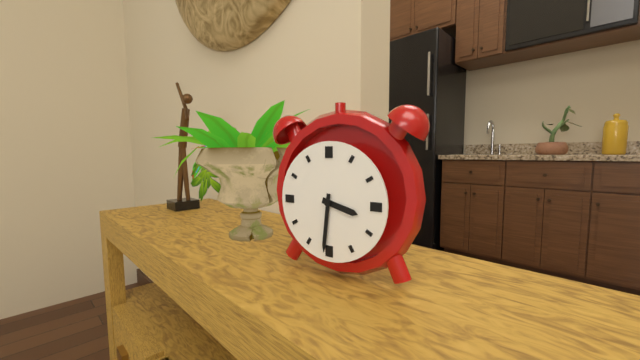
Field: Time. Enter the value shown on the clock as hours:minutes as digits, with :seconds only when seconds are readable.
3:31
